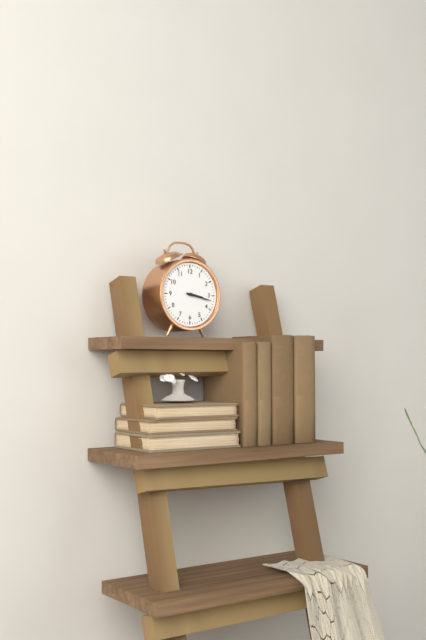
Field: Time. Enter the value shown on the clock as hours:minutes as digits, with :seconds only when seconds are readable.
3:17
